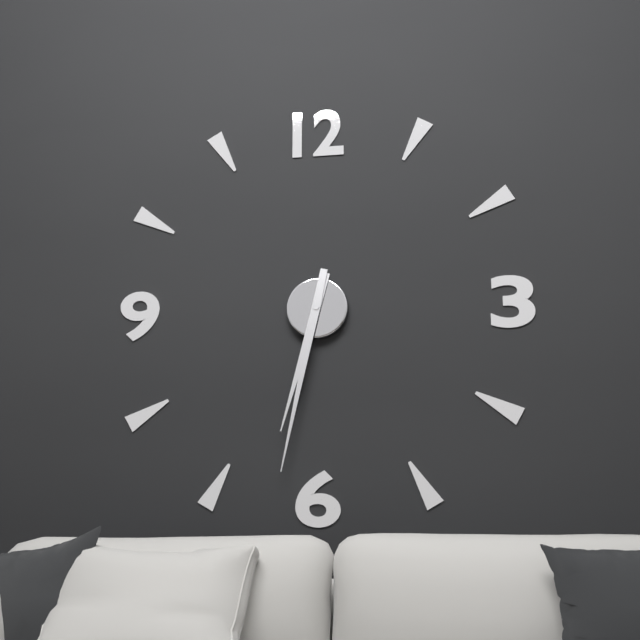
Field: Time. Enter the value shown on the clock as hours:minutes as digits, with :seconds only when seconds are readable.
6:32
